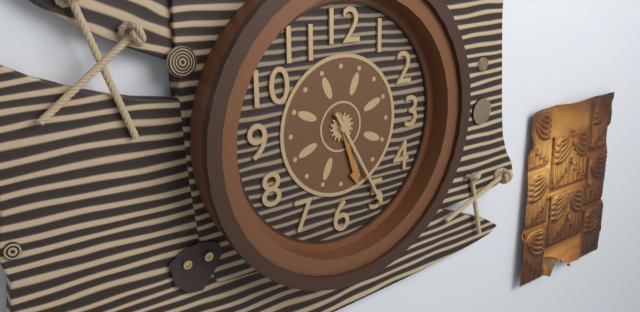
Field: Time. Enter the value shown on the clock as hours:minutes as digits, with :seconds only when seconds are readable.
5:25
